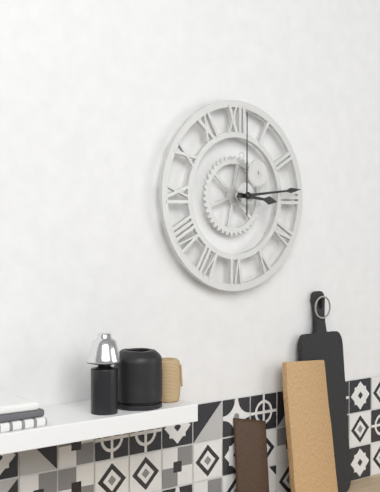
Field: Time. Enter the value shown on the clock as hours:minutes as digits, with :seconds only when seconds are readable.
3:14:00
